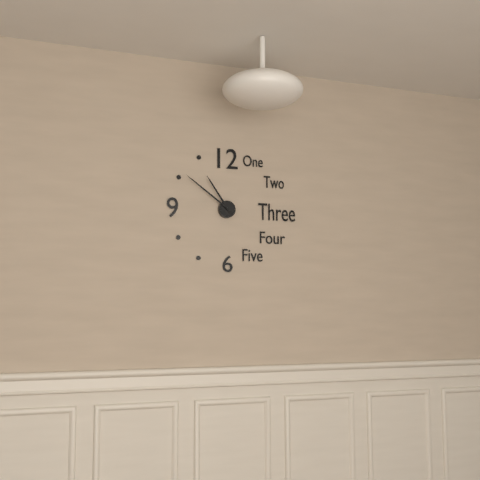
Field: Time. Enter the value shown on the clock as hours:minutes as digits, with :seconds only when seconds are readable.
10:51
